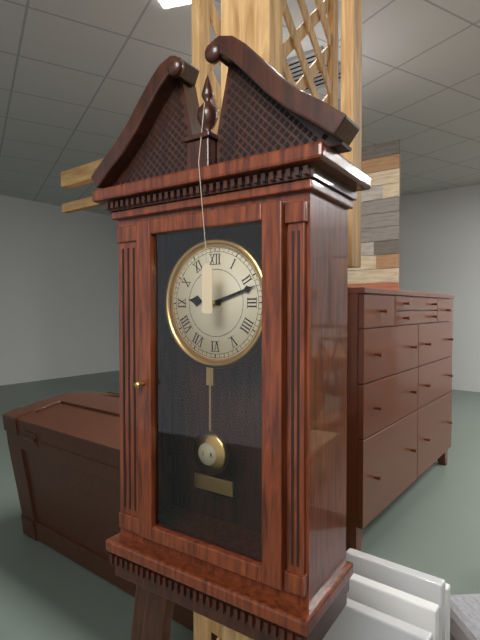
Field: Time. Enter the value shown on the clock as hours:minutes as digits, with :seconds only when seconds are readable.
9:12
